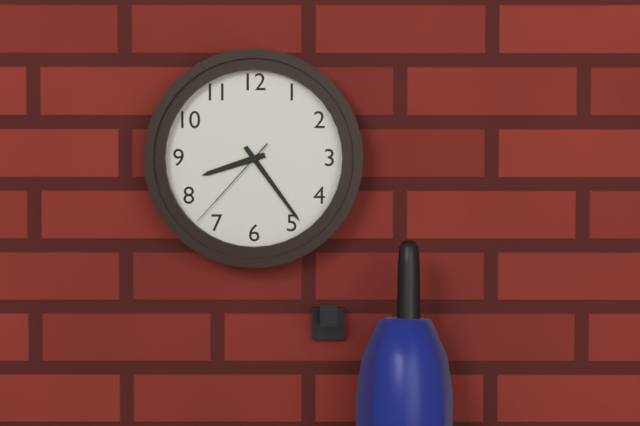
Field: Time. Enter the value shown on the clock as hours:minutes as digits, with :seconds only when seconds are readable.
8:24:37
